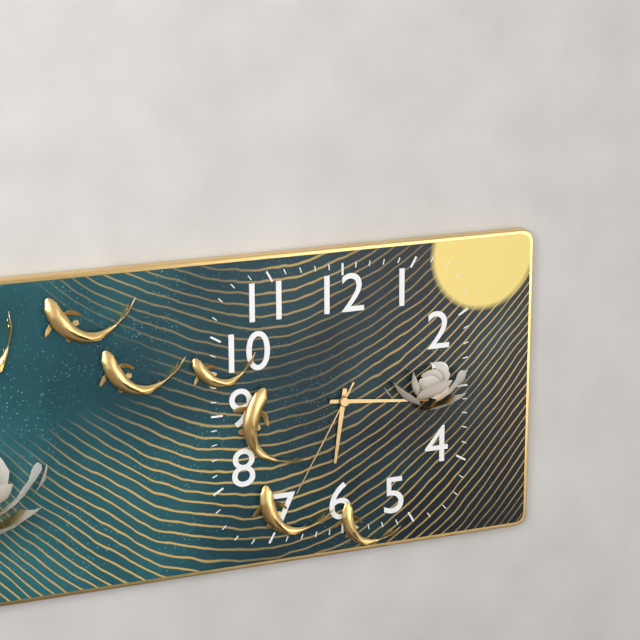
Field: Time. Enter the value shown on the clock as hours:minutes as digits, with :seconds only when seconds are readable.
6:16:35
